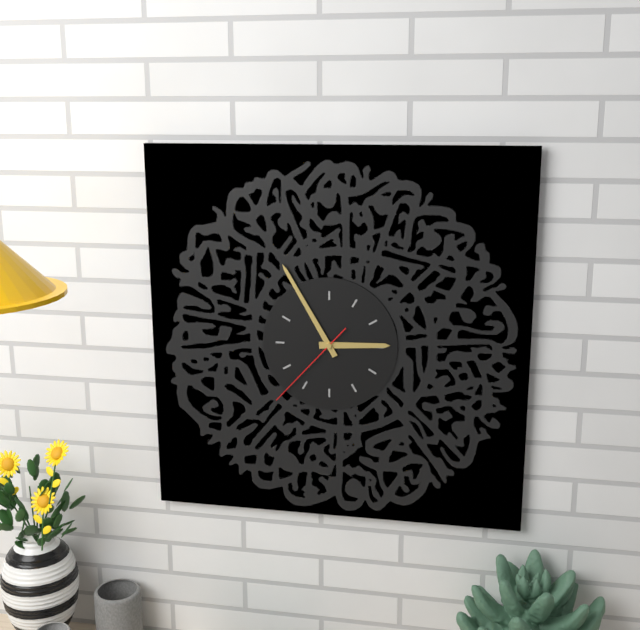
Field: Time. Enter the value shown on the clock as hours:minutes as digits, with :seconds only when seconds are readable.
2:55:37
